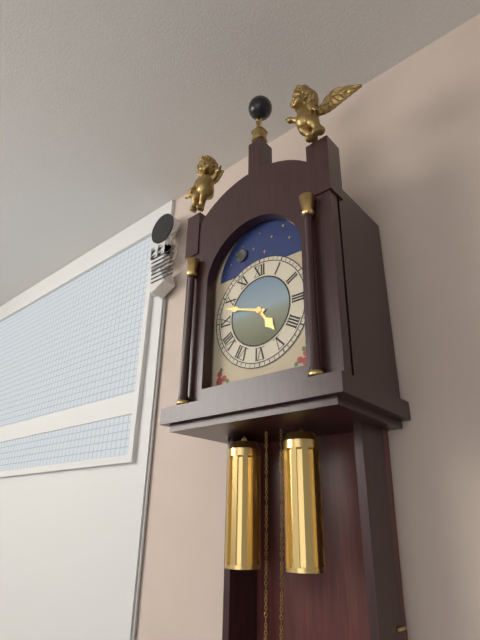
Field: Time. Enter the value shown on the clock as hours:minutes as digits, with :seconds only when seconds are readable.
4:48
